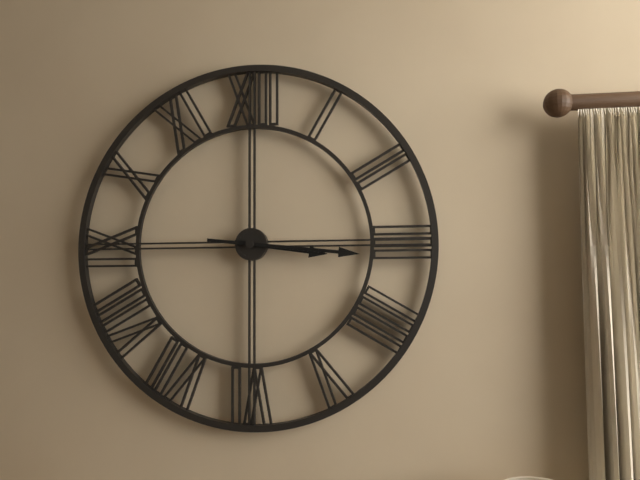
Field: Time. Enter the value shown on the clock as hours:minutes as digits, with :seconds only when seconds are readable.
3:16
